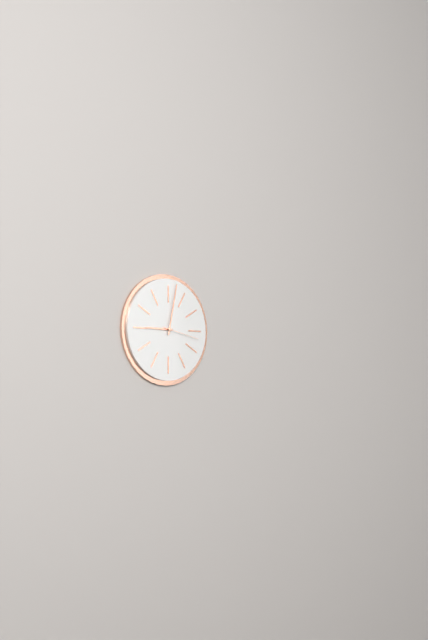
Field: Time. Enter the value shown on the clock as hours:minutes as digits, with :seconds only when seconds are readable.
9:02
